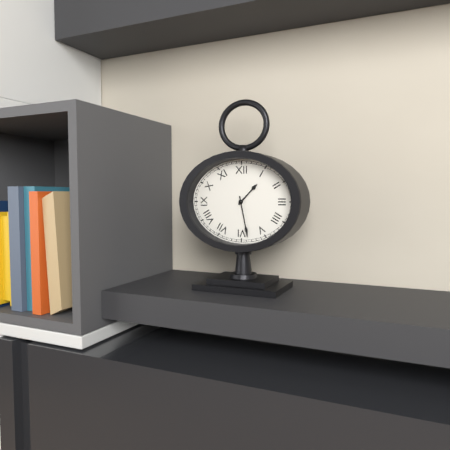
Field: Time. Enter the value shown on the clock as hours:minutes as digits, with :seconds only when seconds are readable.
1:28
